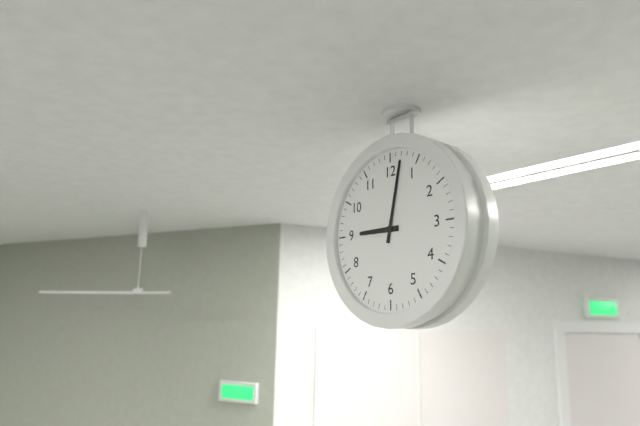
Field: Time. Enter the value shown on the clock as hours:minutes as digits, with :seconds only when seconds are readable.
9:02
